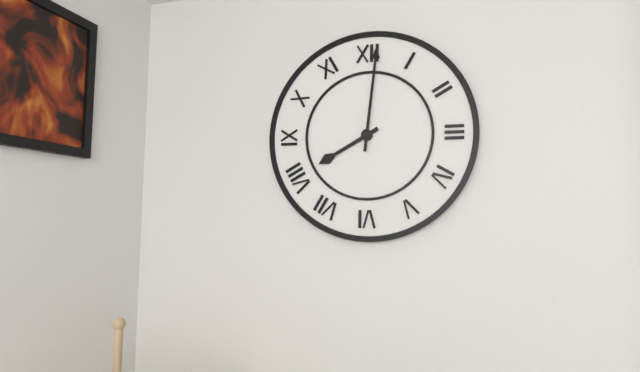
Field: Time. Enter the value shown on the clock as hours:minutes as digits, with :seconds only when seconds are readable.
8:01
